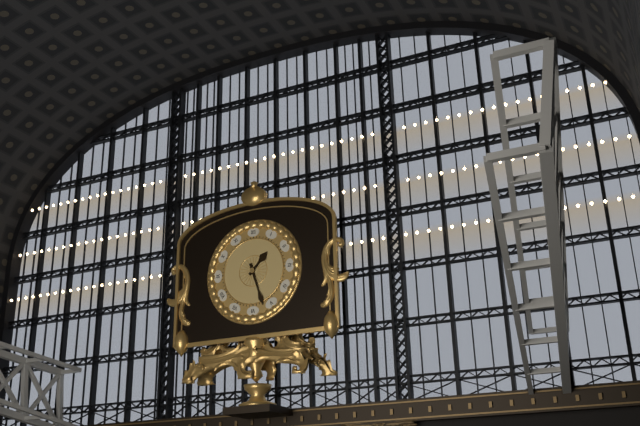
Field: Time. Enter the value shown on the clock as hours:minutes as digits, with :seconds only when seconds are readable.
1:27
